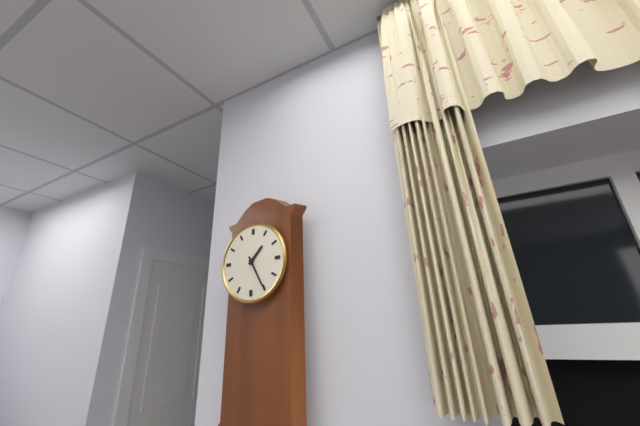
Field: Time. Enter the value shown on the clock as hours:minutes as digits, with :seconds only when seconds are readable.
1:25
